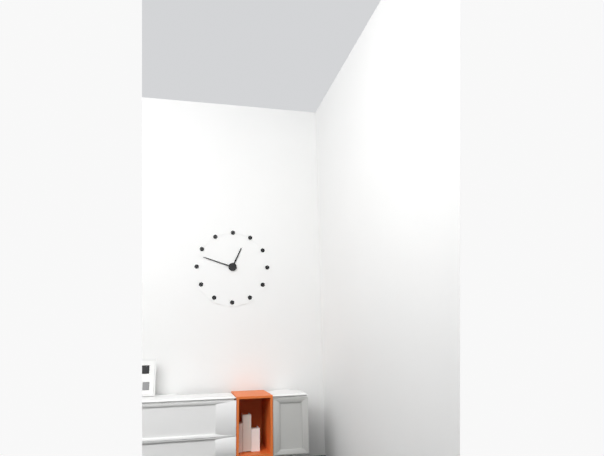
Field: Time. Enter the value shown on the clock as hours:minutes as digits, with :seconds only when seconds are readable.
12:48
